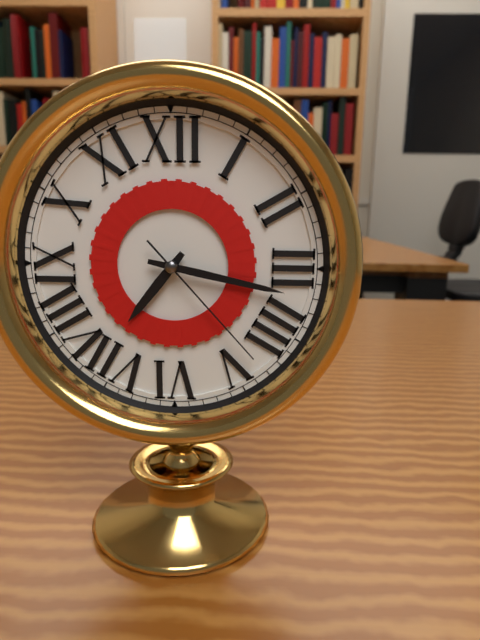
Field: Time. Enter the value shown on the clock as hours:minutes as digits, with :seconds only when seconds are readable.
7:17:23
